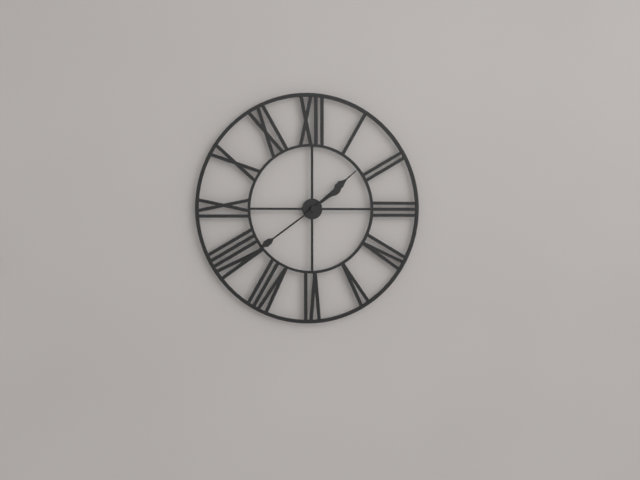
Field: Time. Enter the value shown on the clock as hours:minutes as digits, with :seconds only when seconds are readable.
1:39
